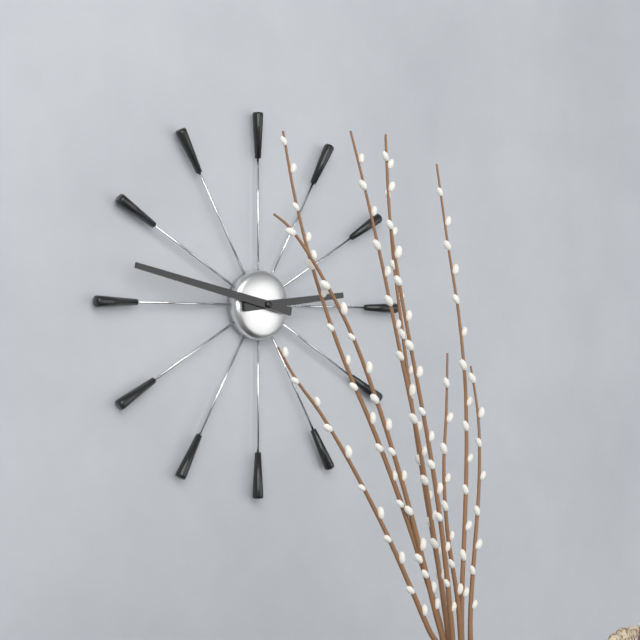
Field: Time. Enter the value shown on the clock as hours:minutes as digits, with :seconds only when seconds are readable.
2:47
